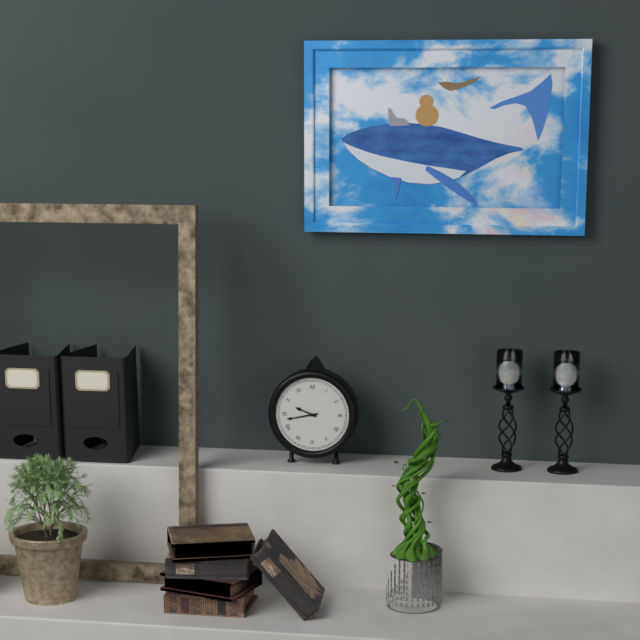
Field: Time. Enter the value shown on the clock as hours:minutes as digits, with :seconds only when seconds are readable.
9:43
